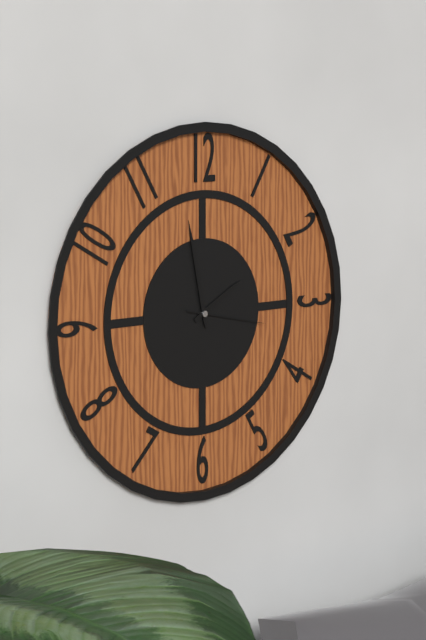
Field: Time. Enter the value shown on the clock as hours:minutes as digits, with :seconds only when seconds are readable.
1:58:17
